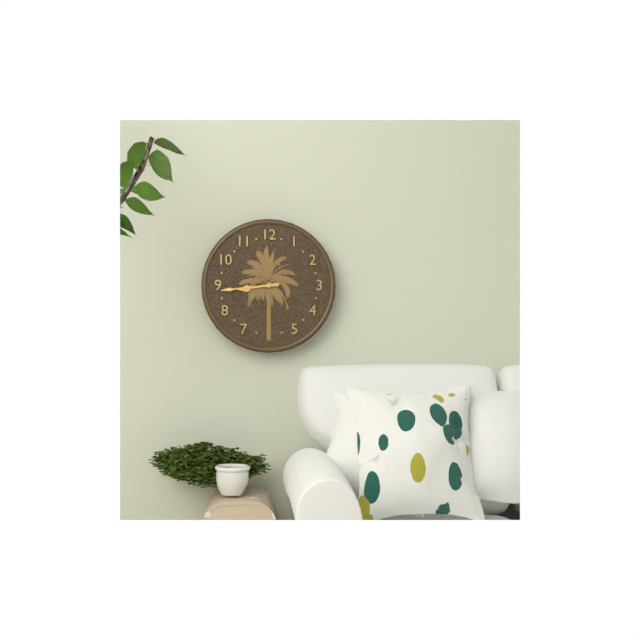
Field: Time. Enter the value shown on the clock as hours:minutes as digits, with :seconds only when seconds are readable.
8:44
